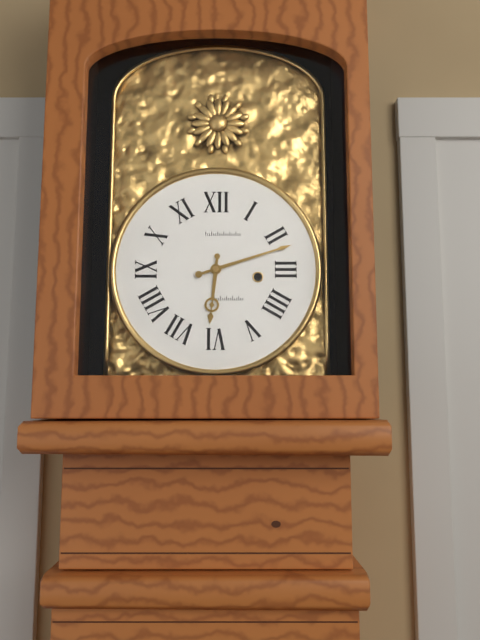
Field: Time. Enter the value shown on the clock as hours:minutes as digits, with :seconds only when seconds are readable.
6:12
